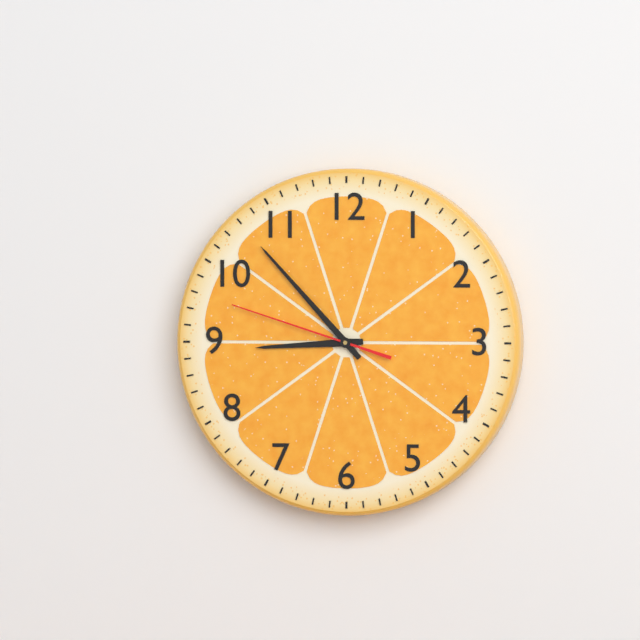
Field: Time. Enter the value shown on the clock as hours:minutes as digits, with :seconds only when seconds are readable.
8:53:48
